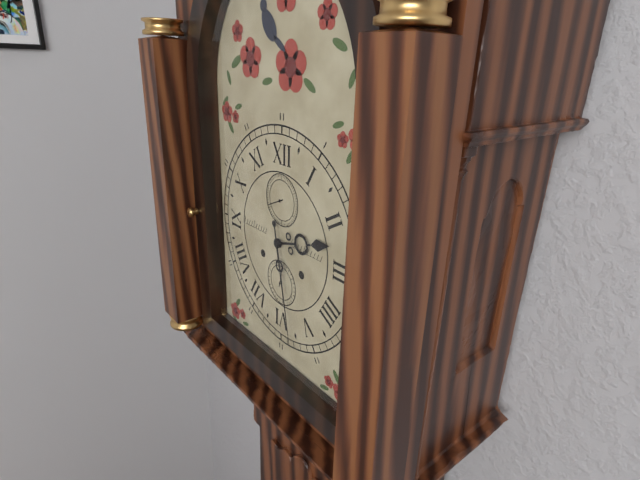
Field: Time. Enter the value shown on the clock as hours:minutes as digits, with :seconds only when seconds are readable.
2:28
